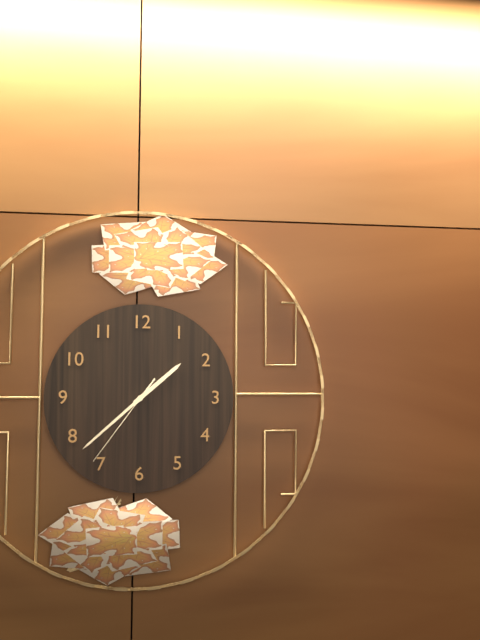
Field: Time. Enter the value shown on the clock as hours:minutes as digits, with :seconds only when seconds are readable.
1:38:36
